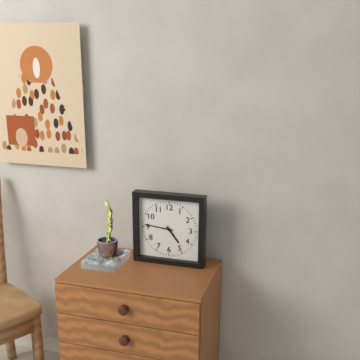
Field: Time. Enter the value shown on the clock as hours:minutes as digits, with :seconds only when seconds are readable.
4:46
